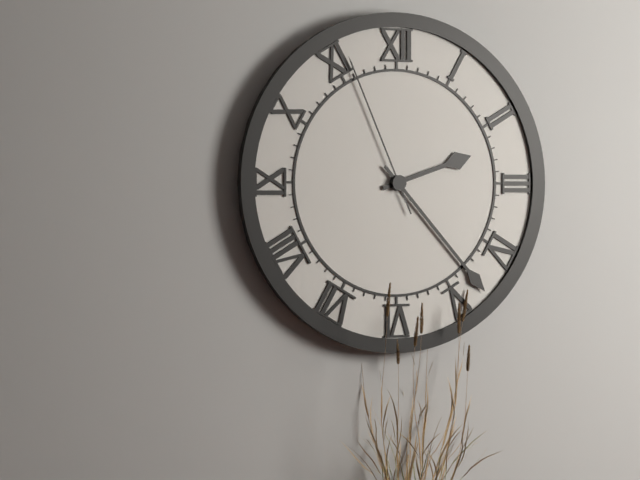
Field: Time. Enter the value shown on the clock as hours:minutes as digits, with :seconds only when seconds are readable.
2:23:56
